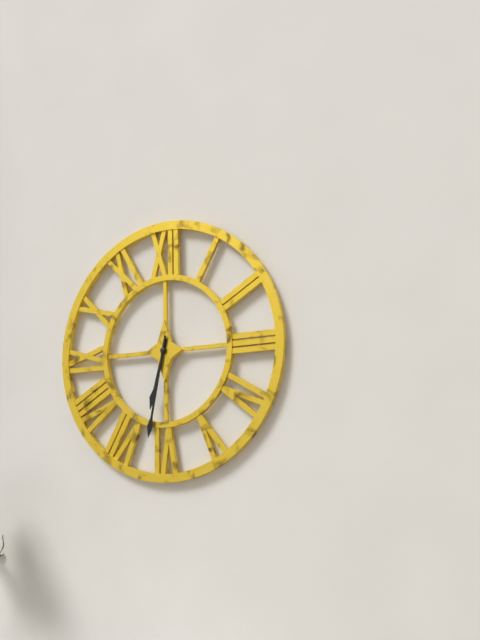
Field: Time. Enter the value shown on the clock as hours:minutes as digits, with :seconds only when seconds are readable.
6:32
